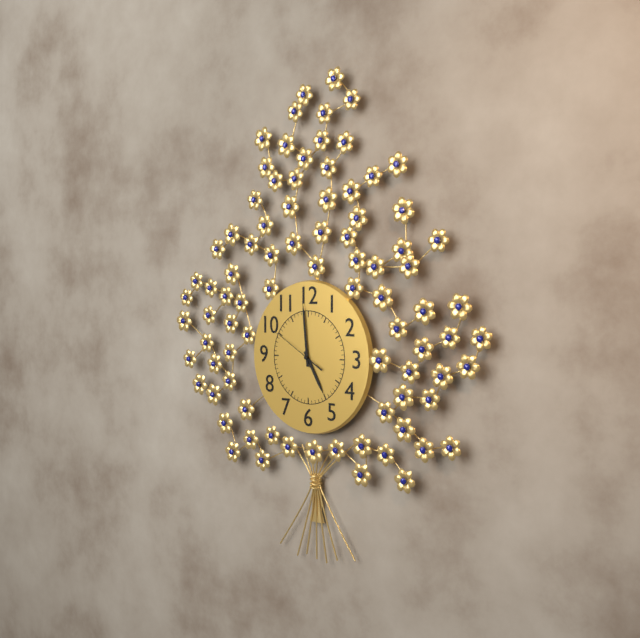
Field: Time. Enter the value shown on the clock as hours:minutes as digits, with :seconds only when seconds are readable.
4:59
